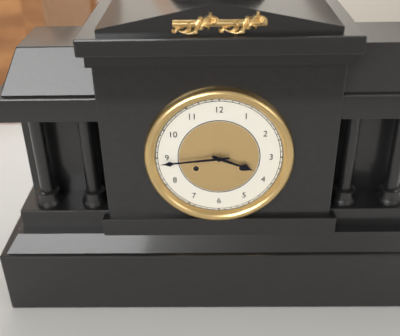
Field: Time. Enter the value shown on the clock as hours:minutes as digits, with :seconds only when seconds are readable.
3:44
